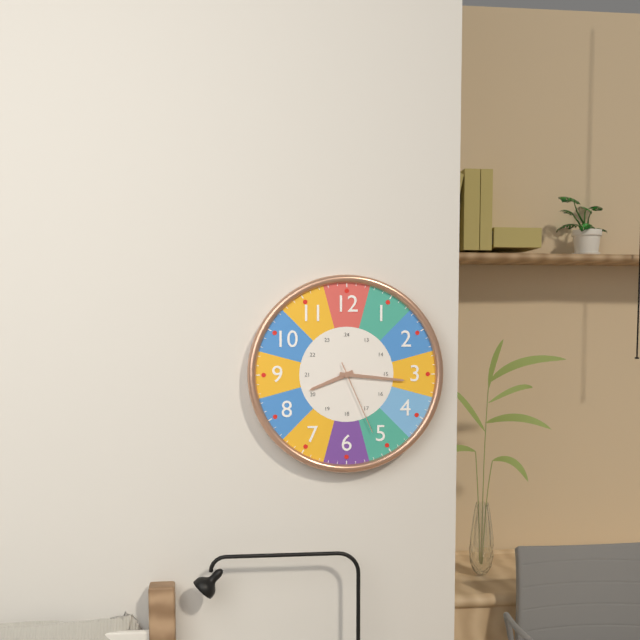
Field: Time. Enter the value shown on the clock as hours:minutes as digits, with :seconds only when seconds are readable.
8:16:26
